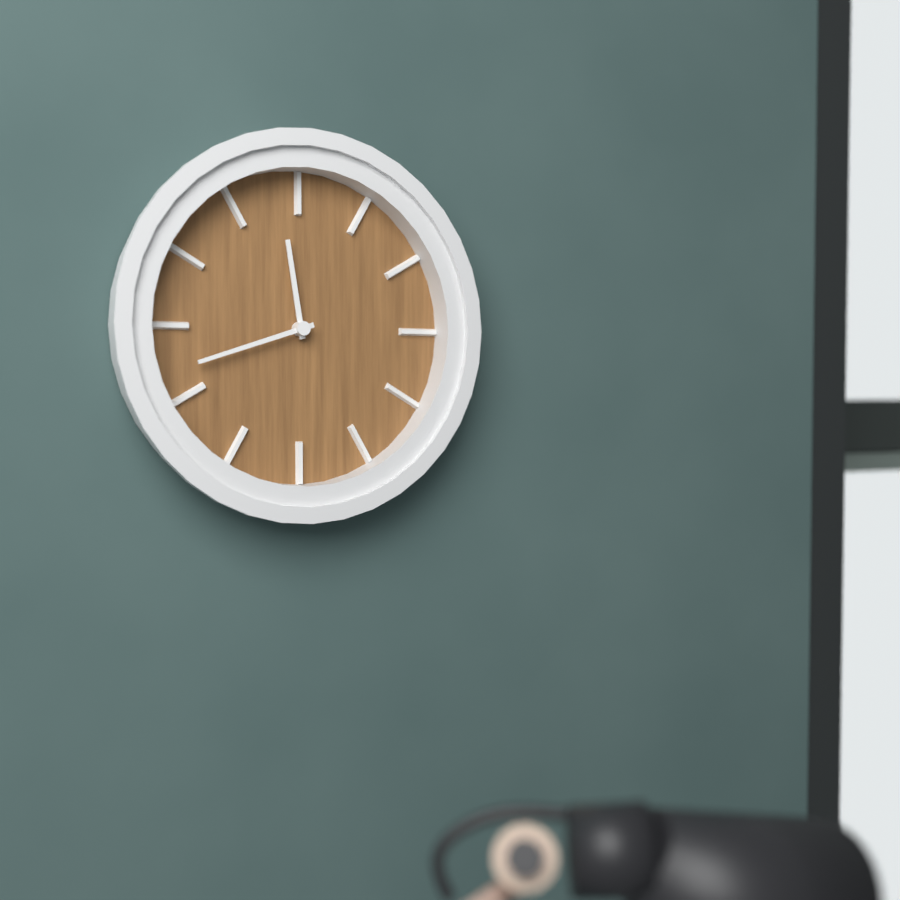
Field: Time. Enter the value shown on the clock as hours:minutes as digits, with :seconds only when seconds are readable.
11:42
